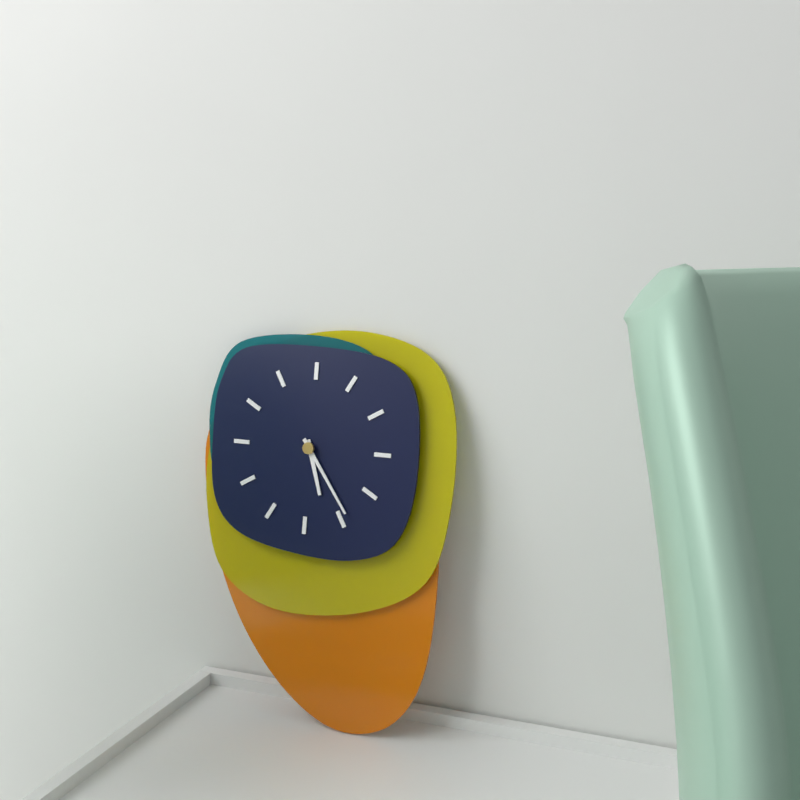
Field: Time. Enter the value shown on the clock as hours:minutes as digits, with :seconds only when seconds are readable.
5:24
